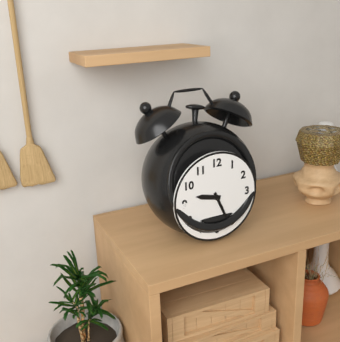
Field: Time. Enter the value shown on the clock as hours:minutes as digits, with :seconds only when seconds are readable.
9:26
